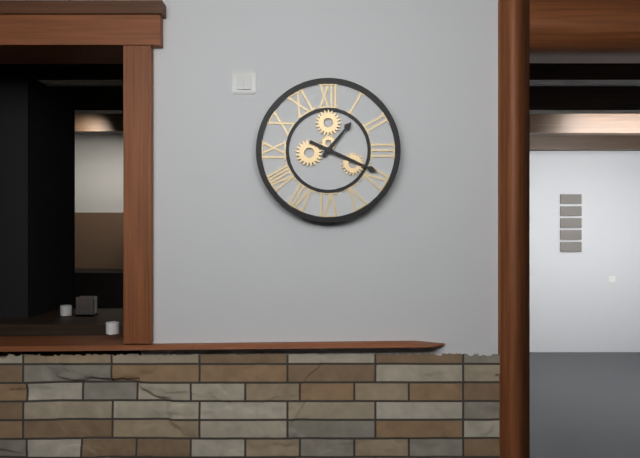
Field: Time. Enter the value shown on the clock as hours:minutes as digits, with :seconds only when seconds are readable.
1:19
